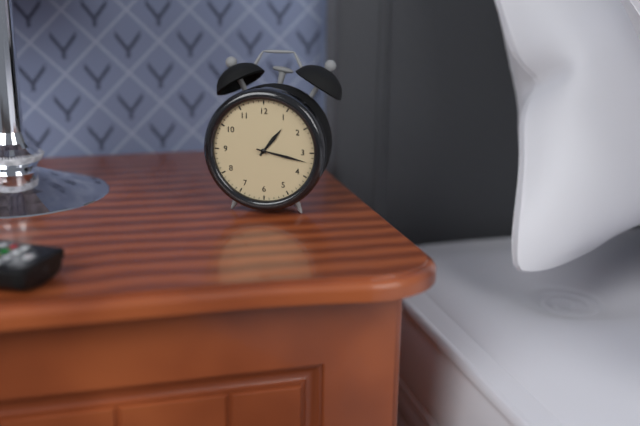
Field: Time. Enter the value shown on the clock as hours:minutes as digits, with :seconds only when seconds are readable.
1:17
